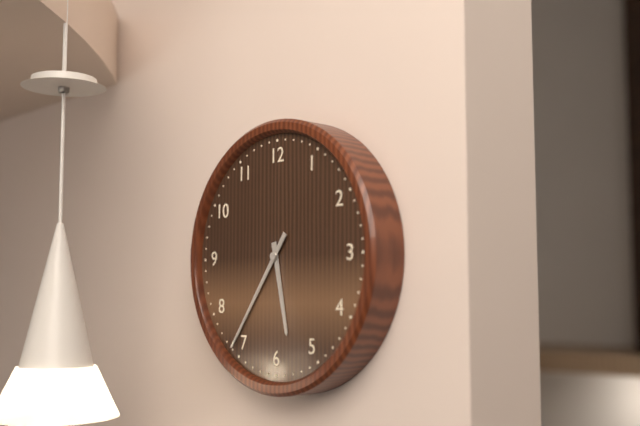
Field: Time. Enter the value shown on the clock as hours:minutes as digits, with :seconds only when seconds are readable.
5:36
